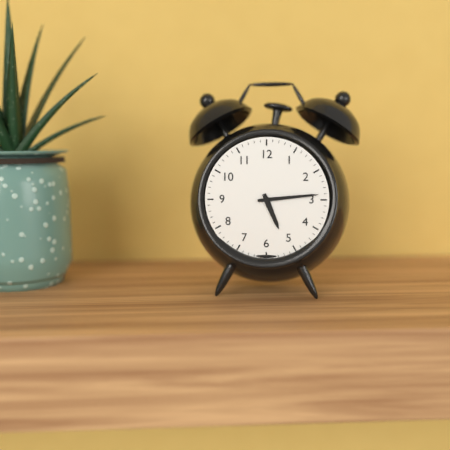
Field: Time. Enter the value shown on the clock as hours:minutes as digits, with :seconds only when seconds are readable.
5:14
